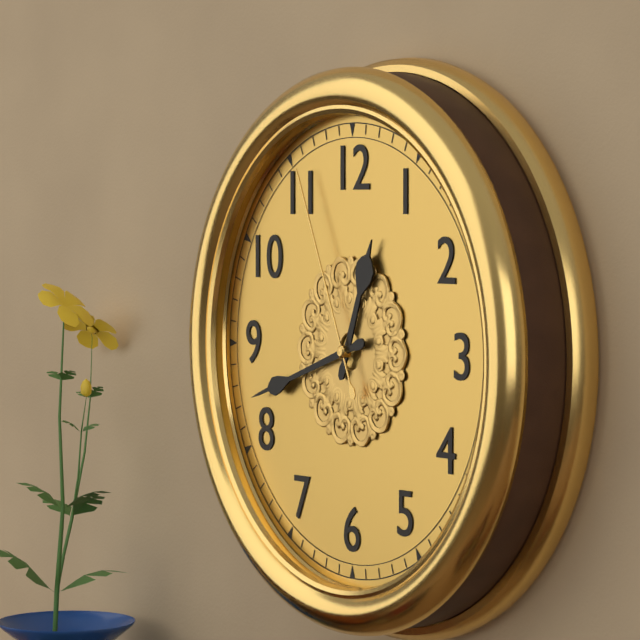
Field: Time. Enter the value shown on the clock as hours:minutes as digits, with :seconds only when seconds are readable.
12:42:56
